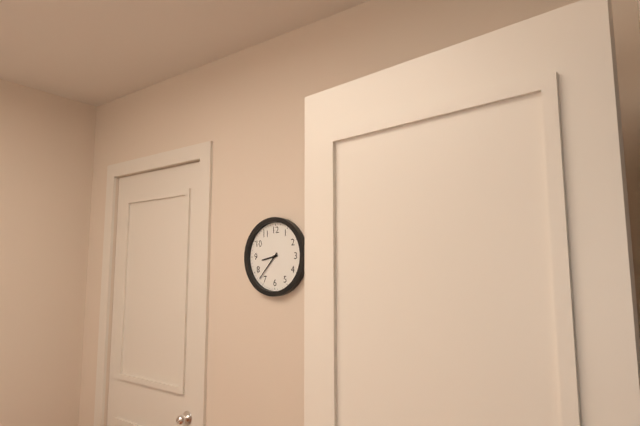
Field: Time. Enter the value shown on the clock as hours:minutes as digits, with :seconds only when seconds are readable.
8:37
